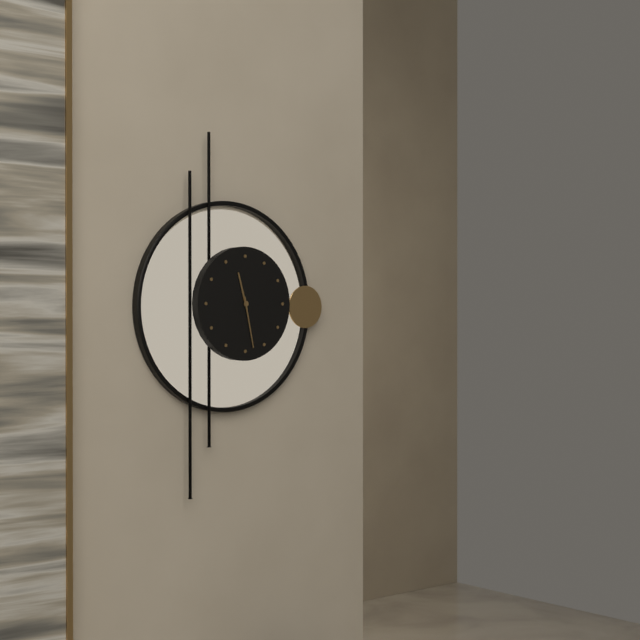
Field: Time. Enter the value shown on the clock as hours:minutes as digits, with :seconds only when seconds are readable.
11:28
